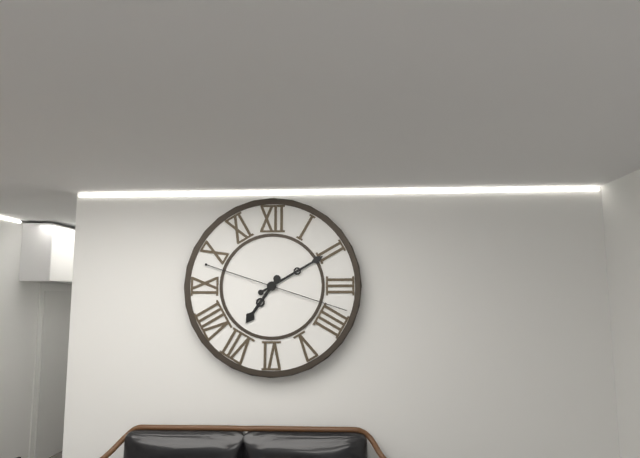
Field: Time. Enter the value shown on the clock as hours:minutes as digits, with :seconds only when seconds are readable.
7:10:18
